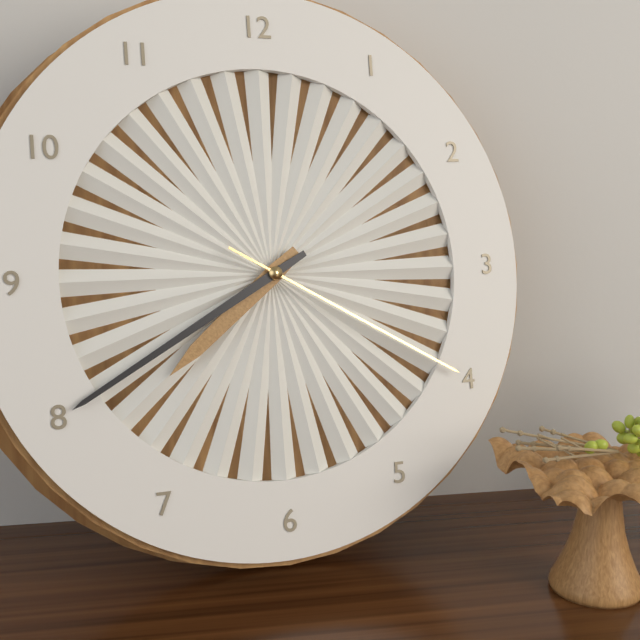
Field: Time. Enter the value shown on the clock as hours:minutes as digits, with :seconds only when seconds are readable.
7:40:20
